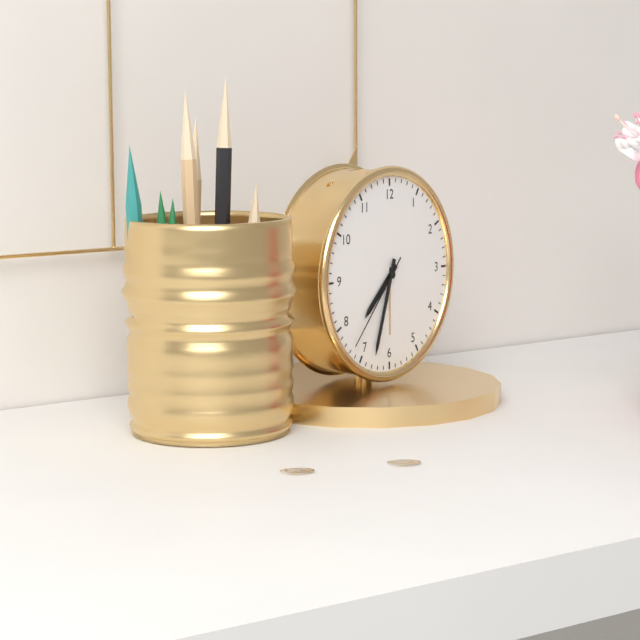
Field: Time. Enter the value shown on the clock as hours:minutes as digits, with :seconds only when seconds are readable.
7:33:37
